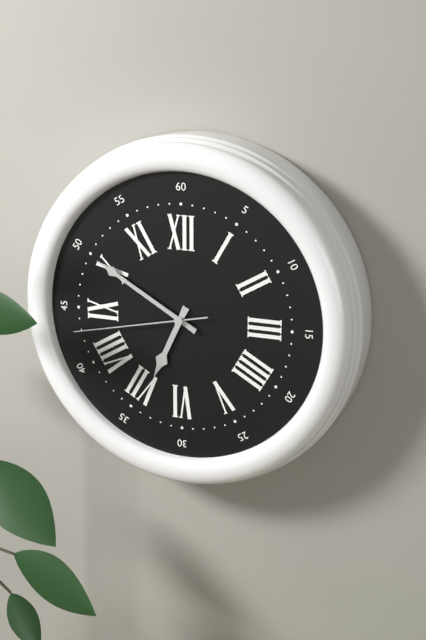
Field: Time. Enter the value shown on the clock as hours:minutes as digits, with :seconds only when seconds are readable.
6:50:43
